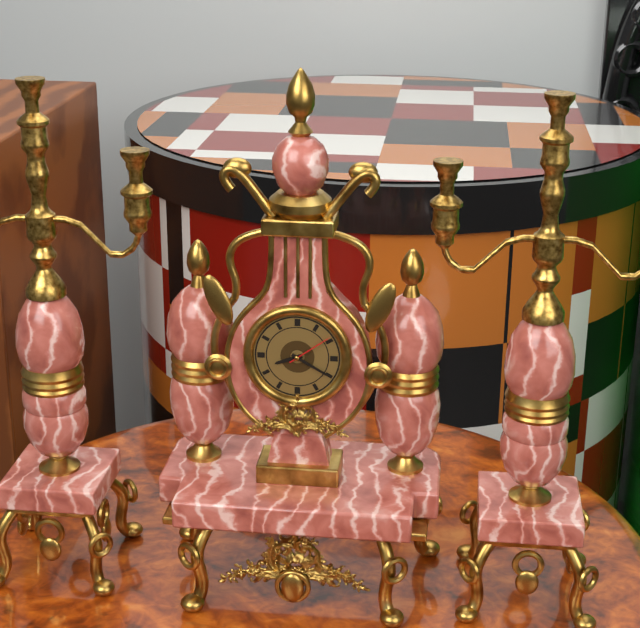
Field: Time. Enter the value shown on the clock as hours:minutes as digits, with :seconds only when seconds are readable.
8:20
